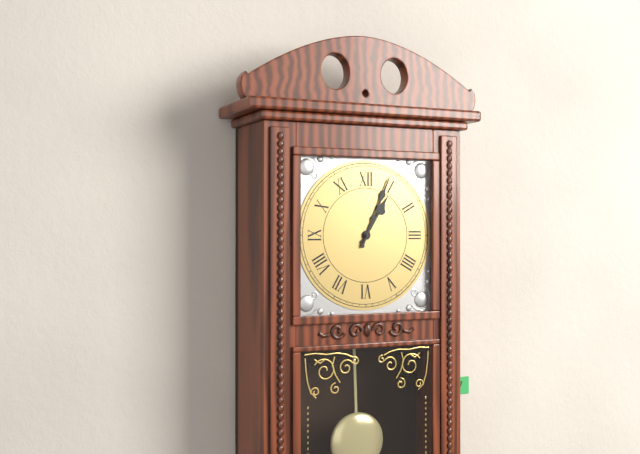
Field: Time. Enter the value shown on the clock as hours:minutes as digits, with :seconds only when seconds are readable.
1:04
